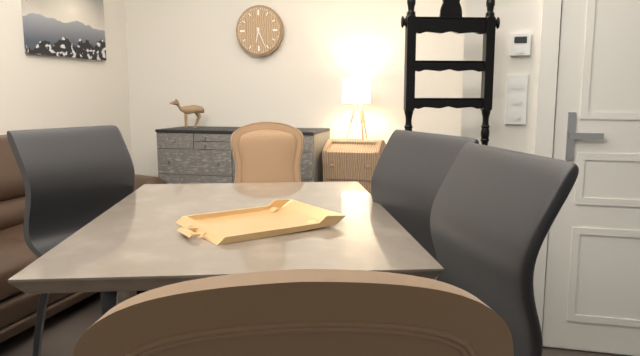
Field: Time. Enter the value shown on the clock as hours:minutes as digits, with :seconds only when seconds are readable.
6:26
